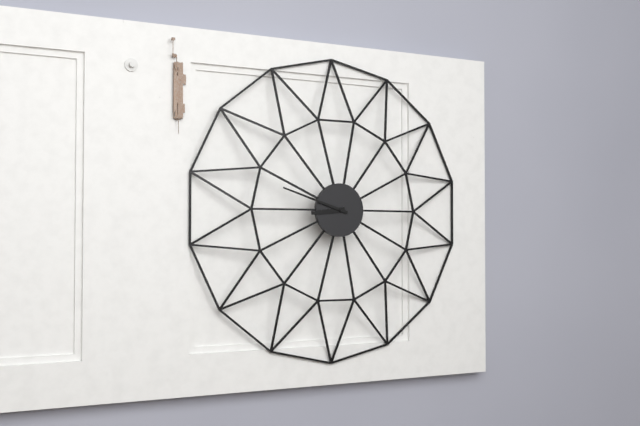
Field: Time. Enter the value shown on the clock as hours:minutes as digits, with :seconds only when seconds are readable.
8:48
